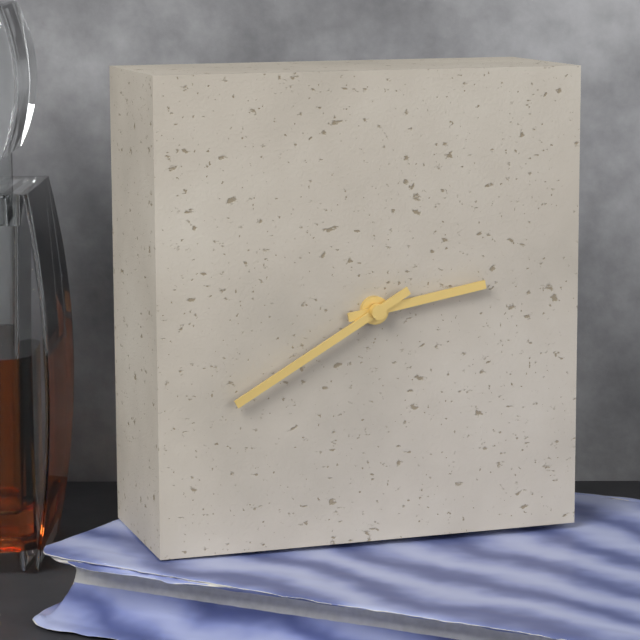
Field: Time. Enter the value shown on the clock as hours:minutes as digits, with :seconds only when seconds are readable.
2:40
